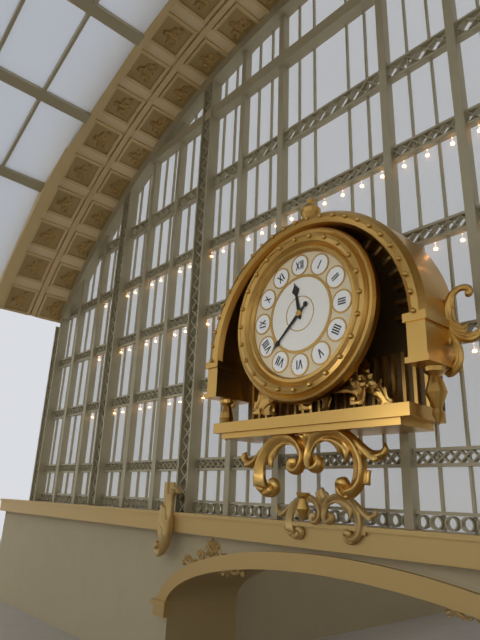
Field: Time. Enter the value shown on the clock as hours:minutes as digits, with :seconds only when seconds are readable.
11:38
